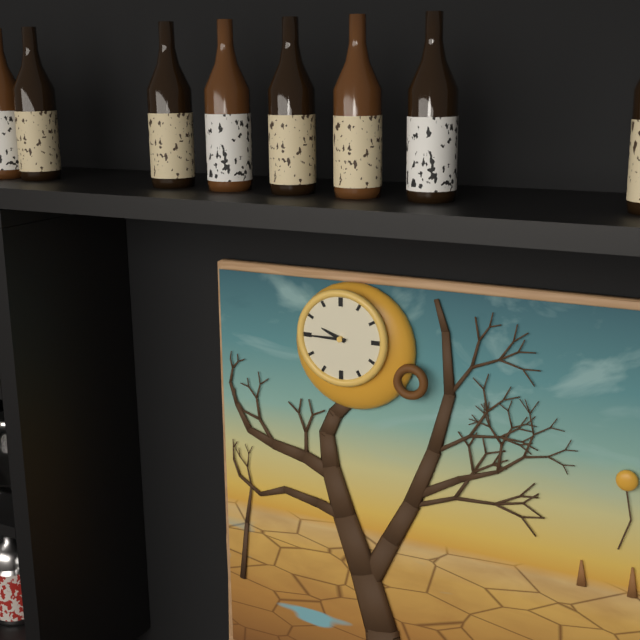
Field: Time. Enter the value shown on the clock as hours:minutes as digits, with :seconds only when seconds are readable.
9:45
